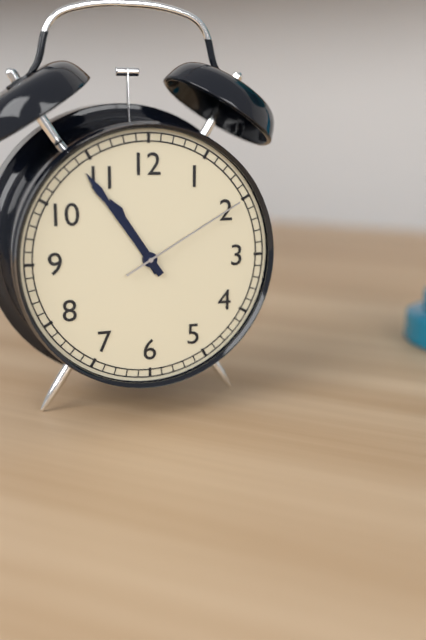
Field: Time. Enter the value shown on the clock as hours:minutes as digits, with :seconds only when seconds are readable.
10:54:10
